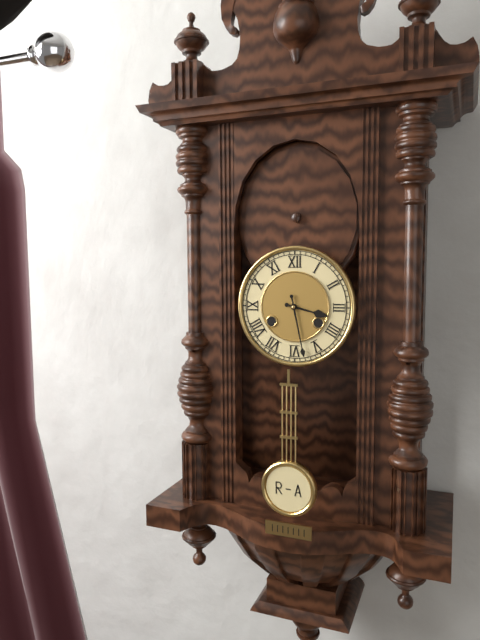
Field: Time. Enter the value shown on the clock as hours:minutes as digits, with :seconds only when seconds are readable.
3:28
